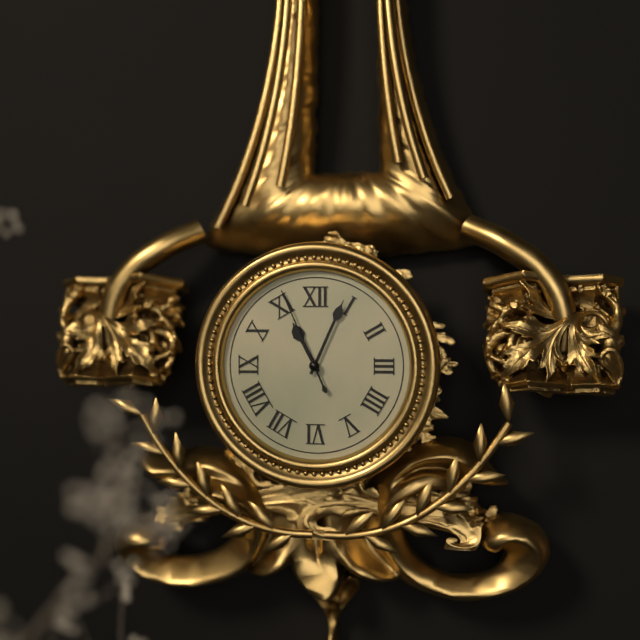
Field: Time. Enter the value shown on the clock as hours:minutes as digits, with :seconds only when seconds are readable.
11:04:56
